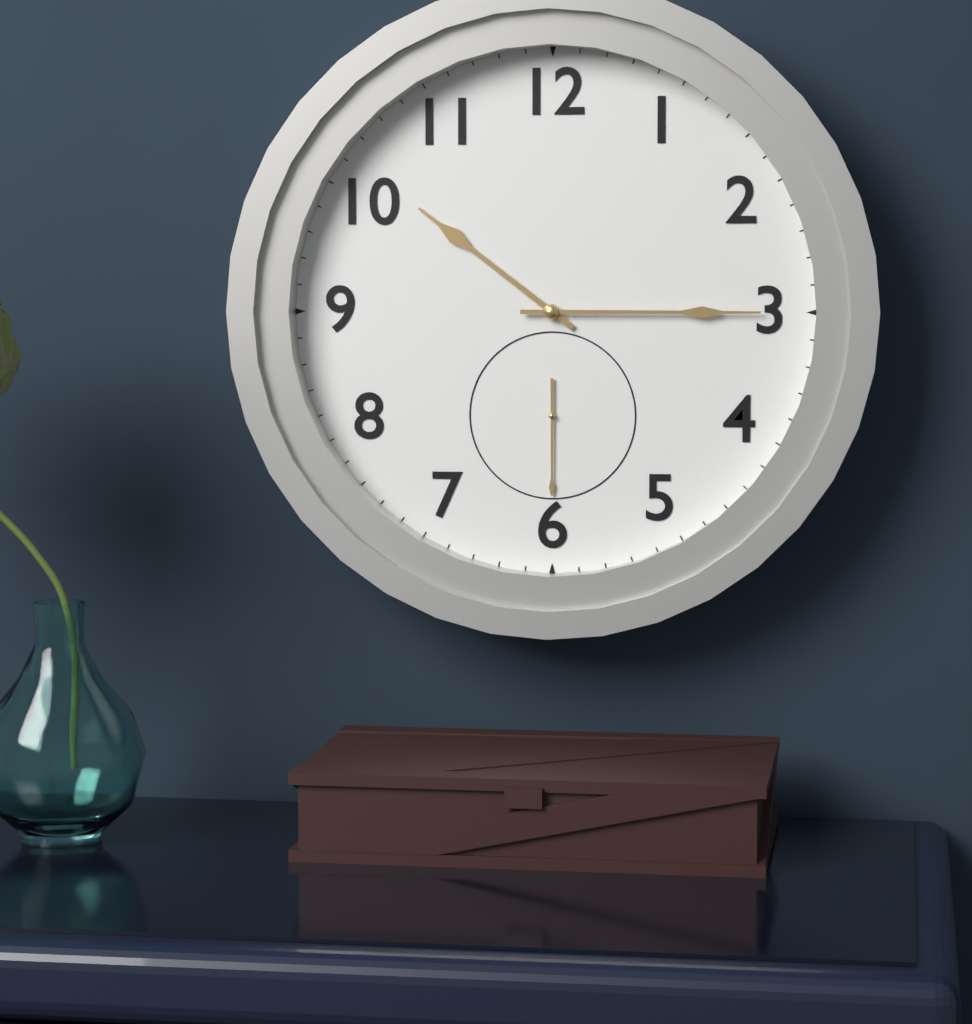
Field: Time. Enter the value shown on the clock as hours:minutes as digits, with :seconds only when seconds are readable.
10:15:30
